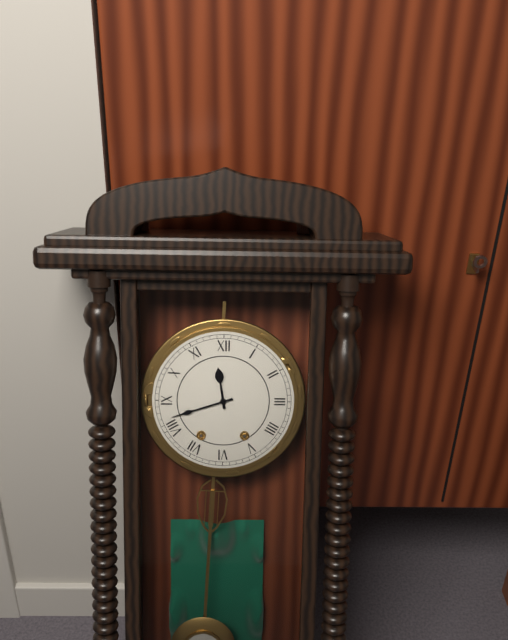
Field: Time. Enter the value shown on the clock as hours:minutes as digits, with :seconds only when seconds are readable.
11:42
